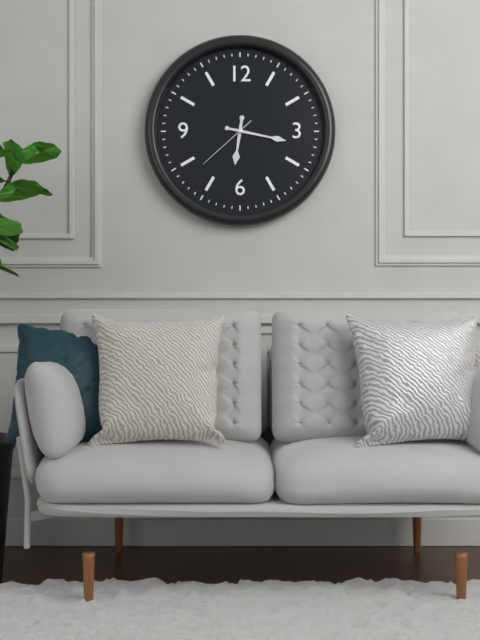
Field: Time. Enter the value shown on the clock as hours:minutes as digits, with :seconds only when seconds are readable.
6:17:38
